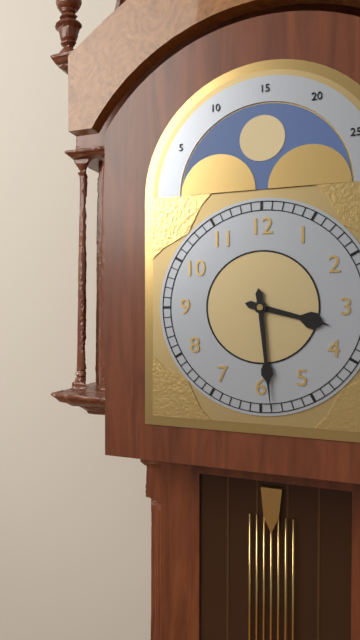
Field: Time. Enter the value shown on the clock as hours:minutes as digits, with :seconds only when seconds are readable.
3:29
